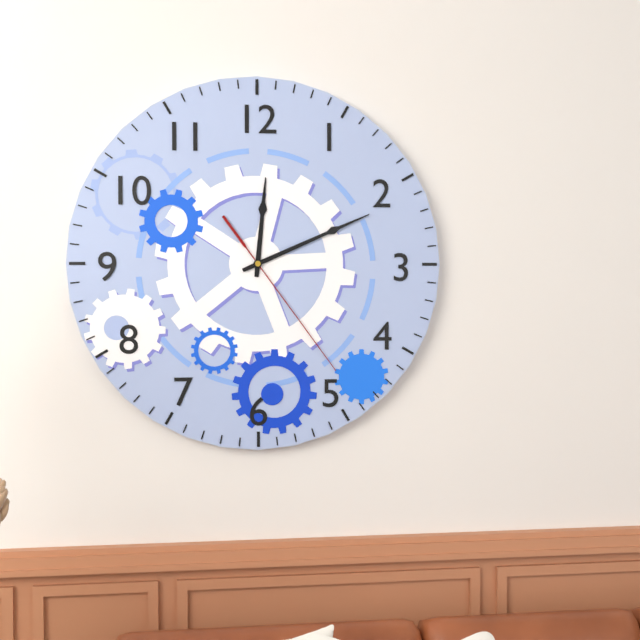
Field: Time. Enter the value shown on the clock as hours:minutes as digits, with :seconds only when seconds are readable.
12:11:24
